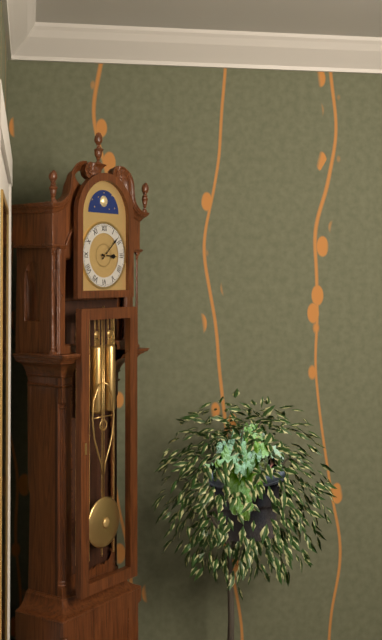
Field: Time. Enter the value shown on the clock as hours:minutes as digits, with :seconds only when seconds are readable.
3:08
